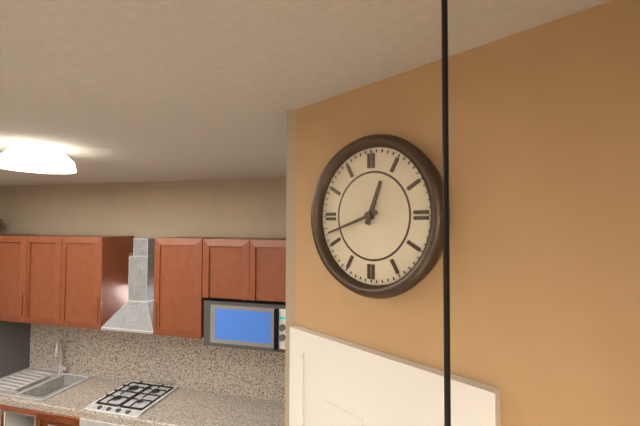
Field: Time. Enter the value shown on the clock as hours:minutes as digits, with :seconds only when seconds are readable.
12:42
